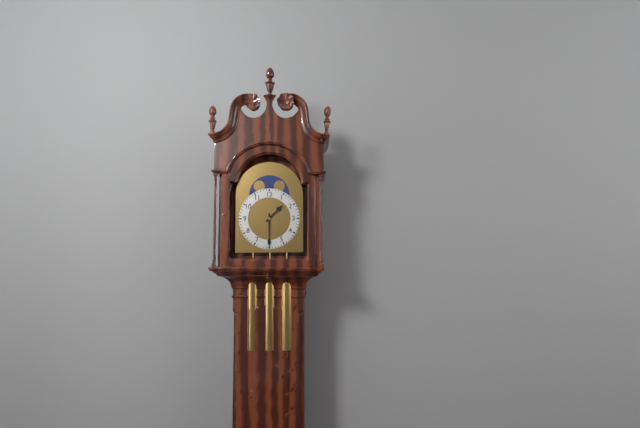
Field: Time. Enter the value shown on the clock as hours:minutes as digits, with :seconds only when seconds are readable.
1:30
